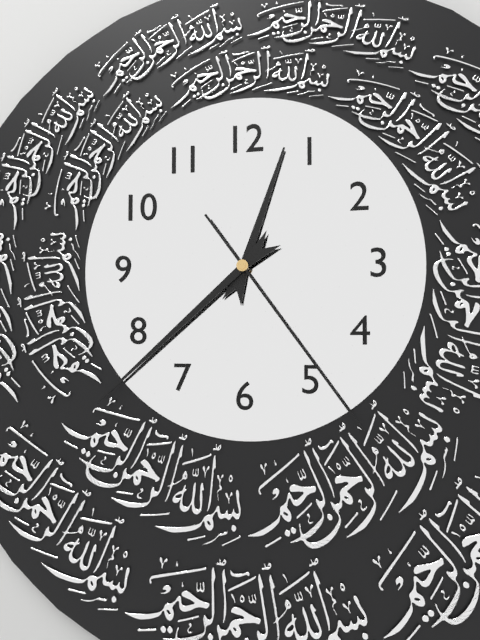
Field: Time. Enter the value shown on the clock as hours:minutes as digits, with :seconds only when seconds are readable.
12:38:24
